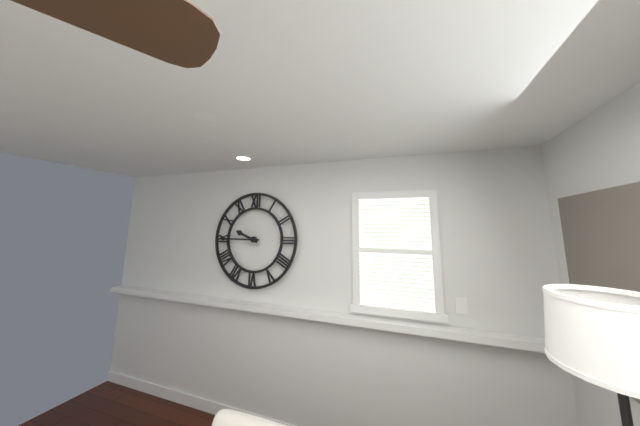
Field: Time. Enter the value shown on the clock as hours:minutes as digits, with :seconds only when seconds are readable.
9:45
